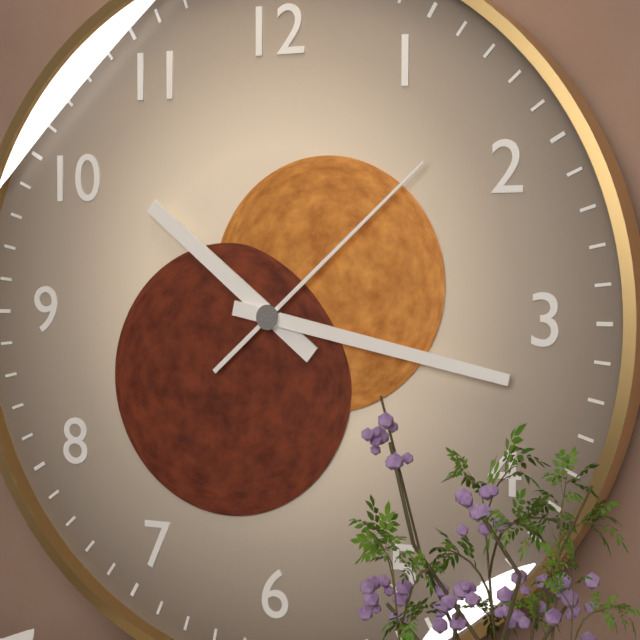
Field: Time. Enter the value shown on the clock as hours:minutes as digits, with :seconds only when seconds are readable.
10:17:08
